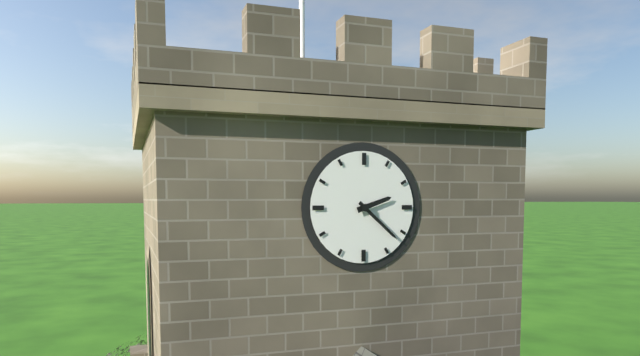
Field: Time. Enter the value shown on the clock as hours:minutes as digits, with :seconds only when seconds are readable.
2:22
